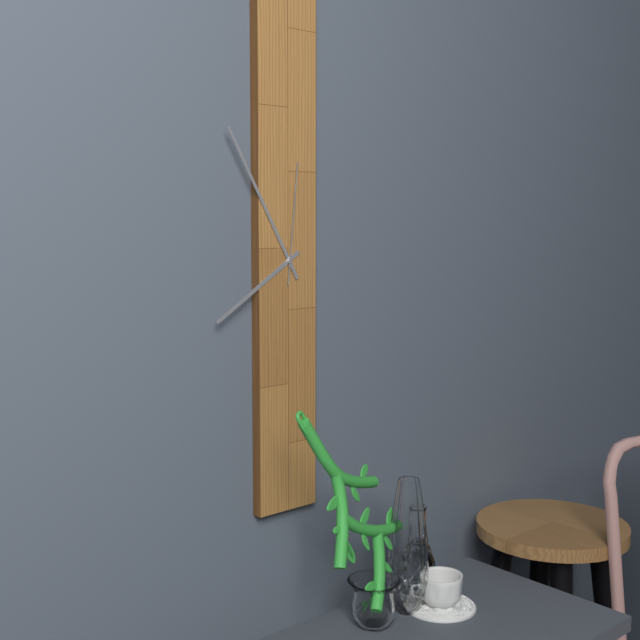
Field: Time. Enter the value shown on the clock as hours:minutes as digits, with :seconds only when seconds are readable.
7:55:01
